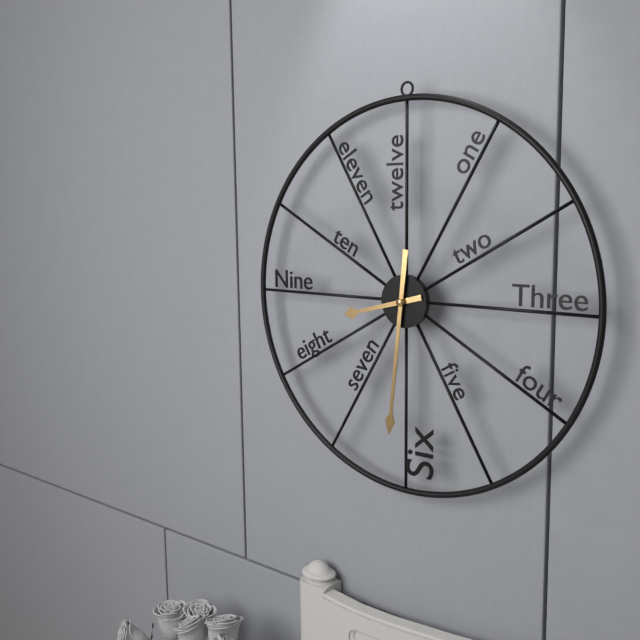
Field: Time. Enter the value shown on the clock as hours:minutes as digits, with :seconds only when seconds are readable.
8:31
